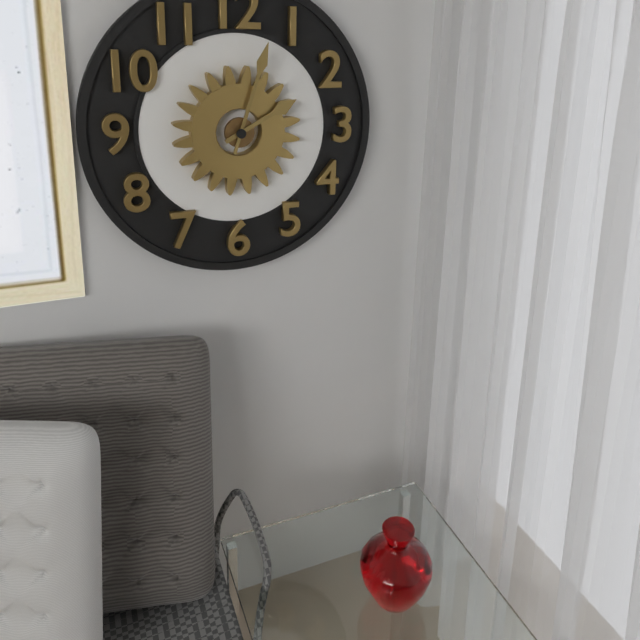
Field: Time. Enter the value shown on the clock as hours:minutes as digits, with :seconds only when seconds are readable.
2:03
